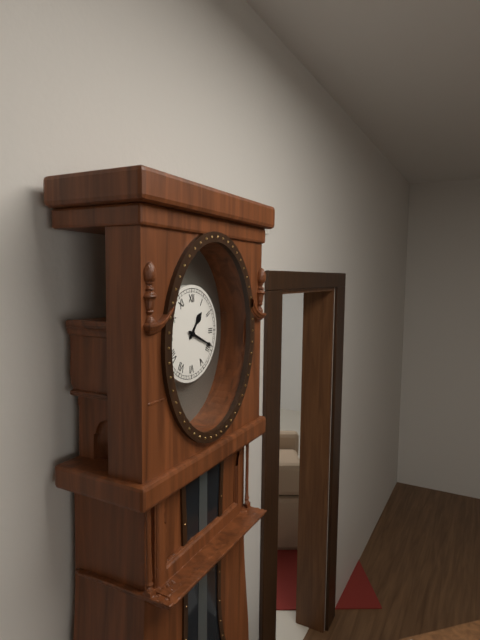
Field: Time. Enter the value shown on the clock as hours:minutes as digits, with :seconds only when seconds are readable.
1:19
